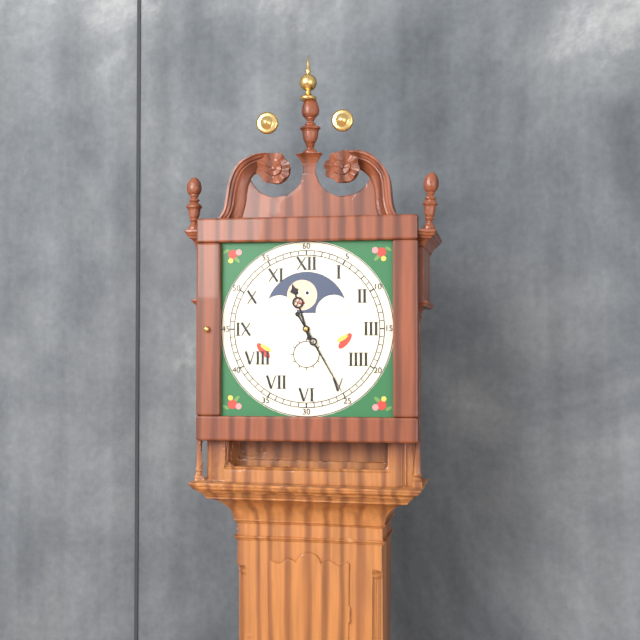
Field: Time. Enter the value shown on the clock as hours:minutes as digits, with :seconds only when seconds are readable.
11:25
